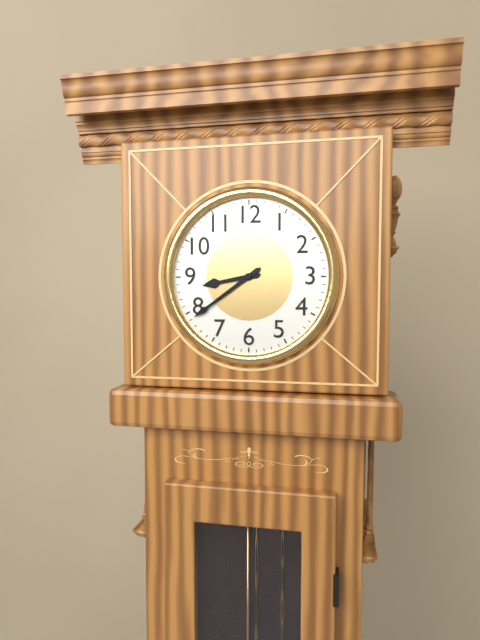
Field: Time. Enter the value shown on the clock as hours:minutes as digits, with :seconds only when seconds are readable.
8:39
